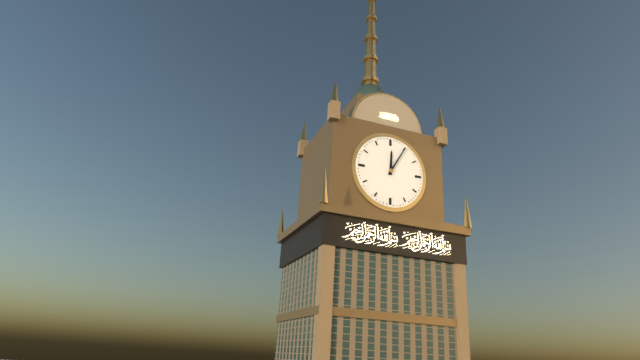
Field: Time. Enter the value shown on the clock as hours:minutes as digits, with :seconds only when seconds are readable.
12:05
